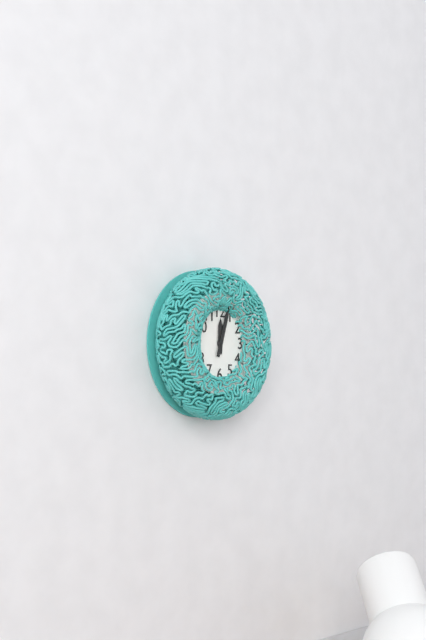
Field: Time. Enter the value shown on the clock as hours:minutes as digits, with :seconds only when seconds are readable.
12:03
